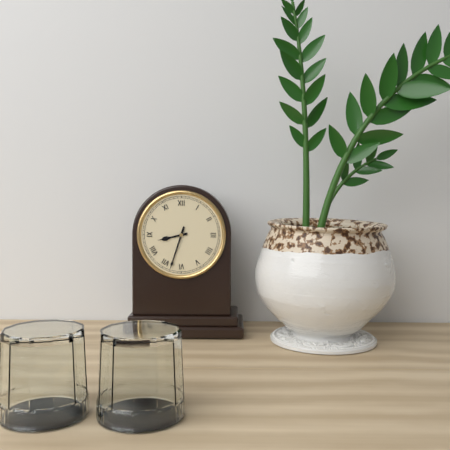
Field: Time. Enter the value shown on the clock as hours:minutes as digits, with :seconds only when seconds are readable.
8:33
